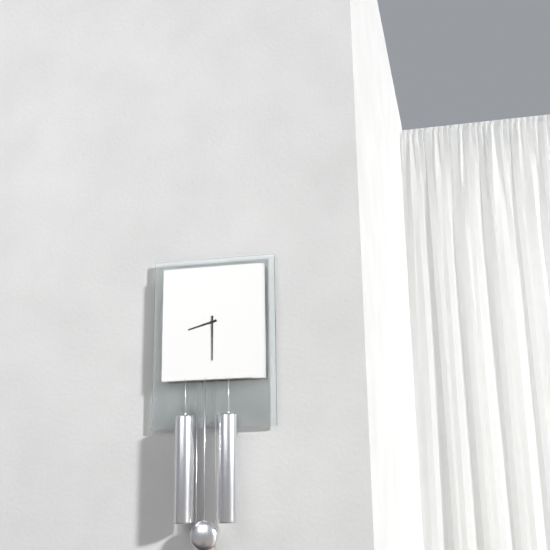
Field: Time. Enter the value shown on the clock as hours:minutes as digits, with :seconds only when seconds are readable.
8:30
